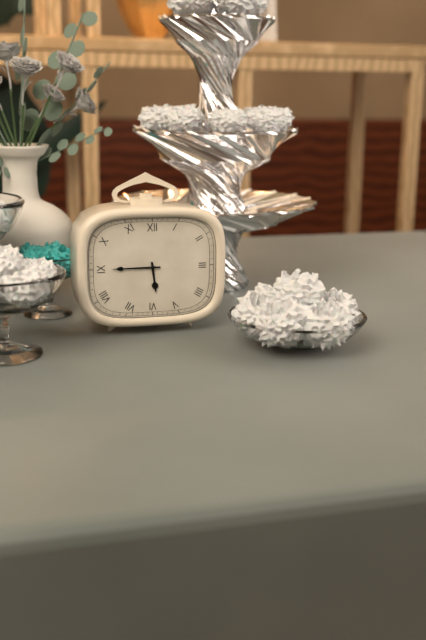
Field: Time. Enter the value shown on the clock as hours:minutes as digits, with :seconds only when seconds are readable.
5:45
